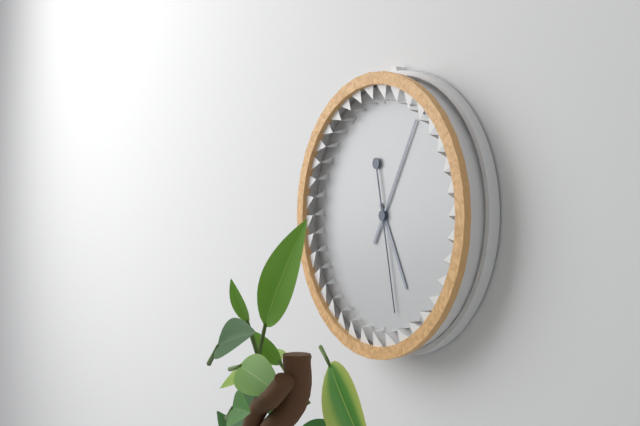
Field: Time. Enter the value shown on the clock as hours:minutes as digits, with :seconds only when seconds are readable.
5:05:28
